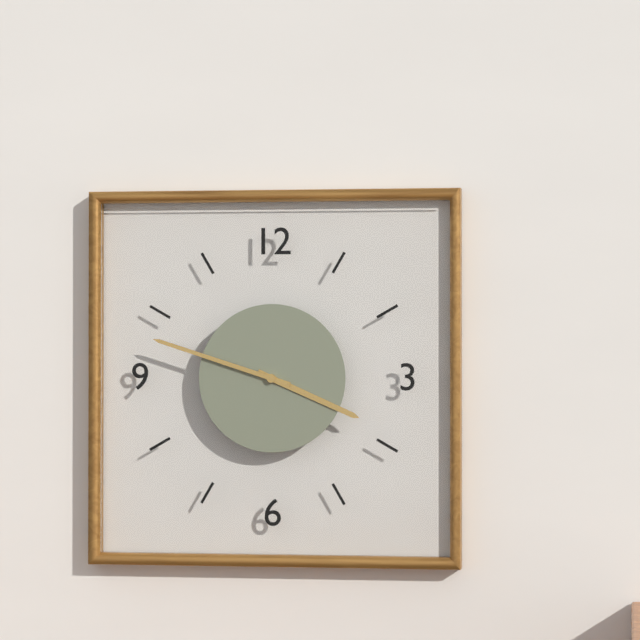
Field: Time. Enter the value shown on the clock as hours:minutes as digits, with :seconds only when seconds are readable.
3:48
